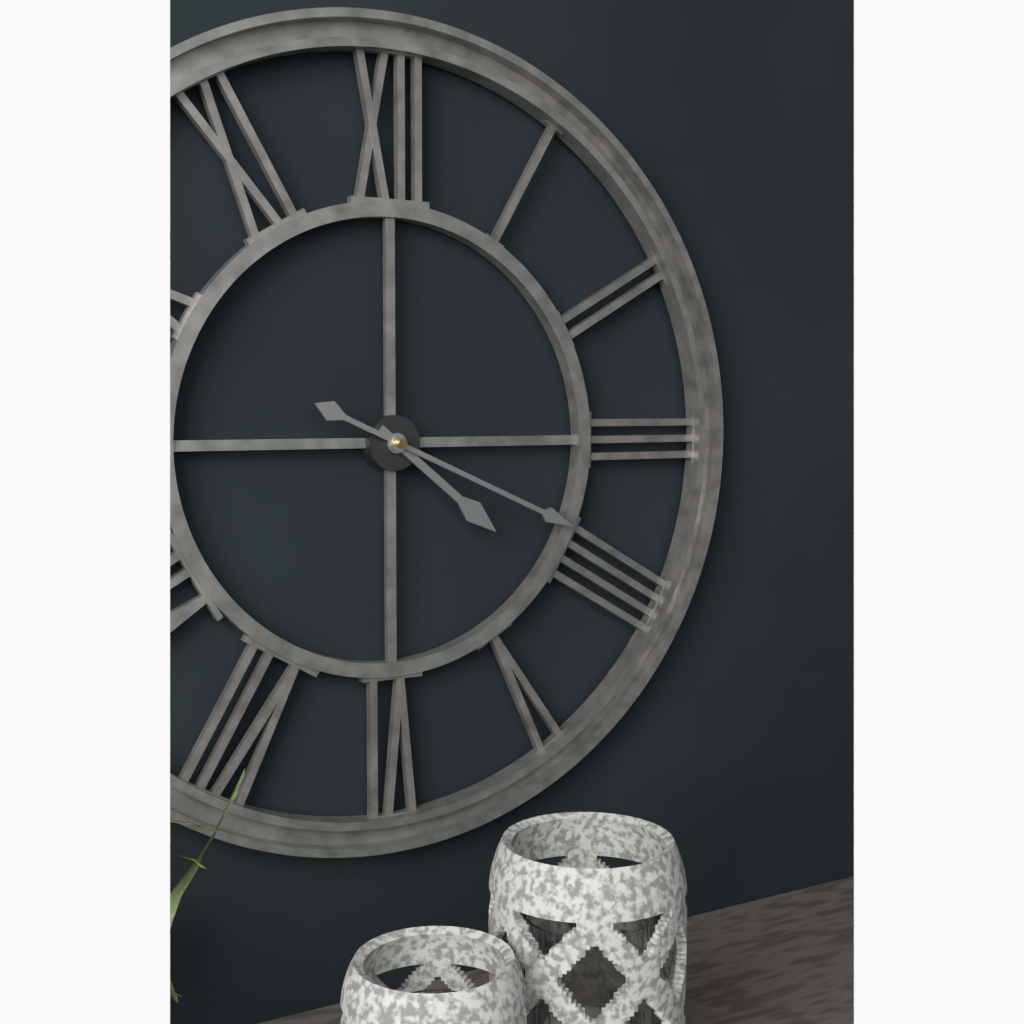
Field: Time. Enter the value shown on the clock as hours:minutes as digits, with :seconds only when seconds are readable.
4:19
